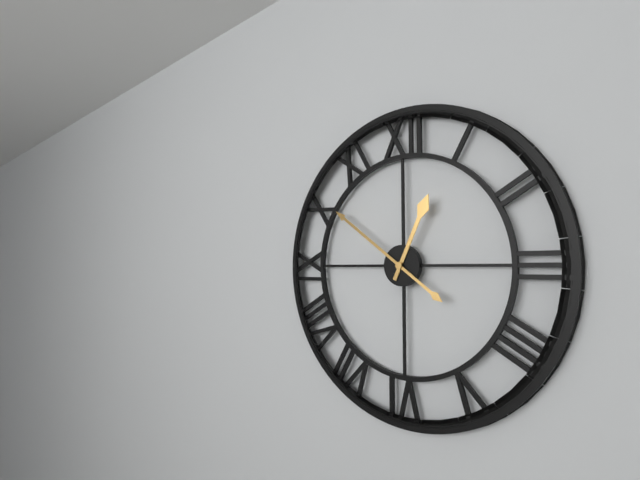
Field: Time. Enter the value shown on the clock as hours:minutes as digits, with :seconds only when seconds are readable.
12:51
